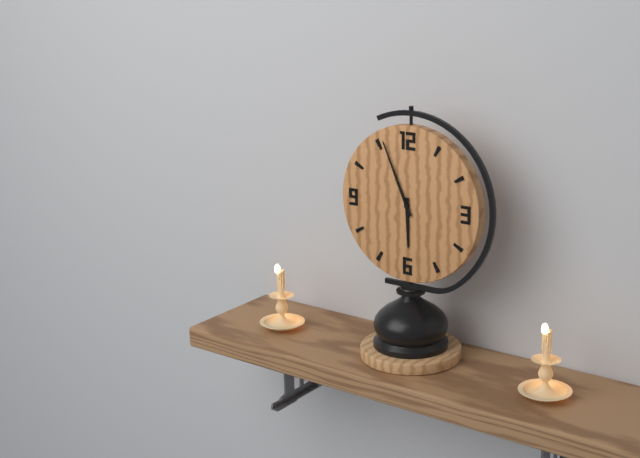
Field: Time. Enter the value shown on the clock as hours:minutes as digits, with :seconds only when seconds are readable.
5:56
